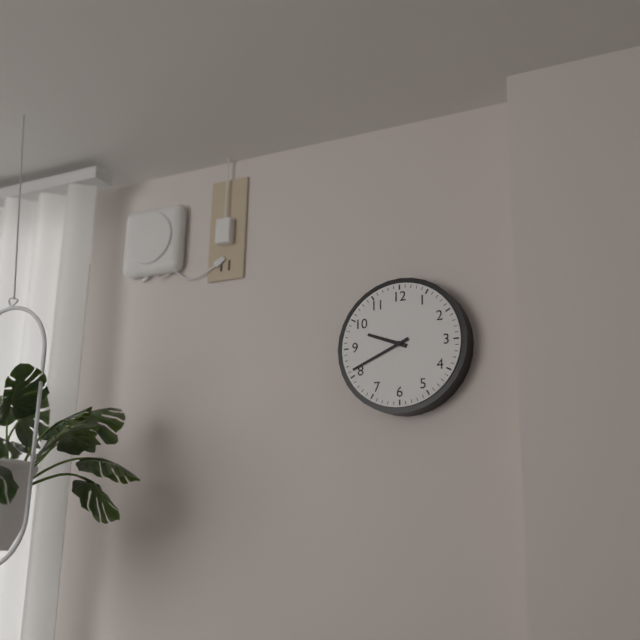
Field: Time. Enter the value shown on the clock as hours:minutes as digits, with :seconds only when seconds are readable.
9:41
